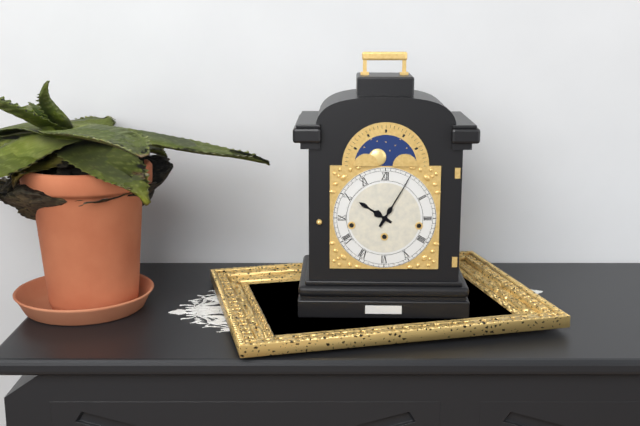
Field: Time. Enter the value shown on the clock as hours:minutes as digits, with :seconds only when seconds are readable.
10:05
